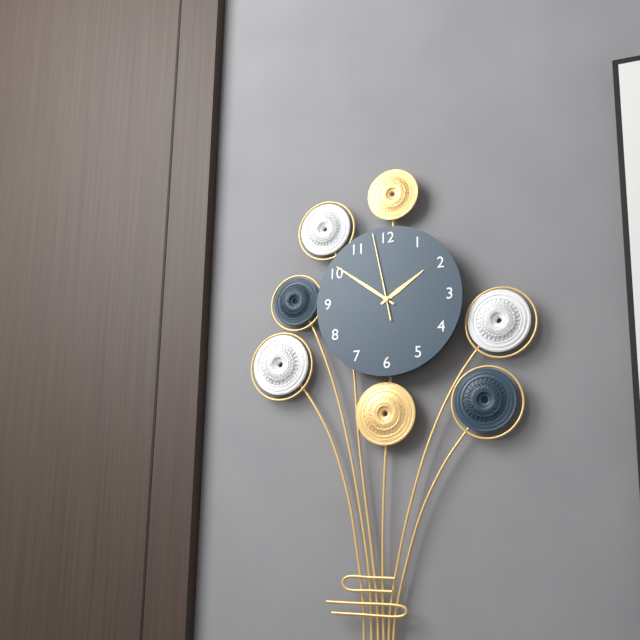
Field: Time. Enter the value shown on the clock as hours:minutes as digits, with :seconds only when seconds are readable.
1:51:58
